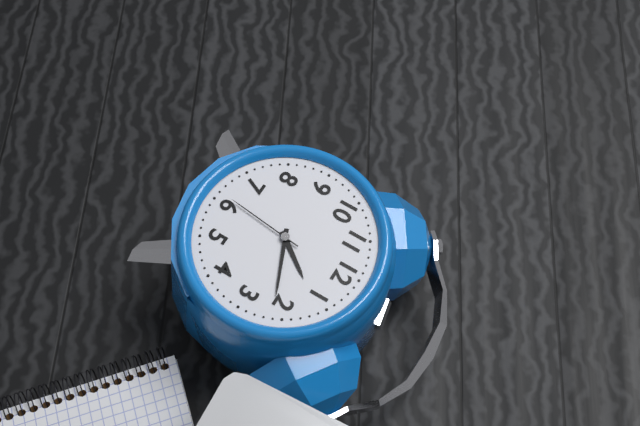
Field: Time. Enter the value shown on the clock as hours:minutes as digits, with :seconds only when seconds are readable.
1:11:31
